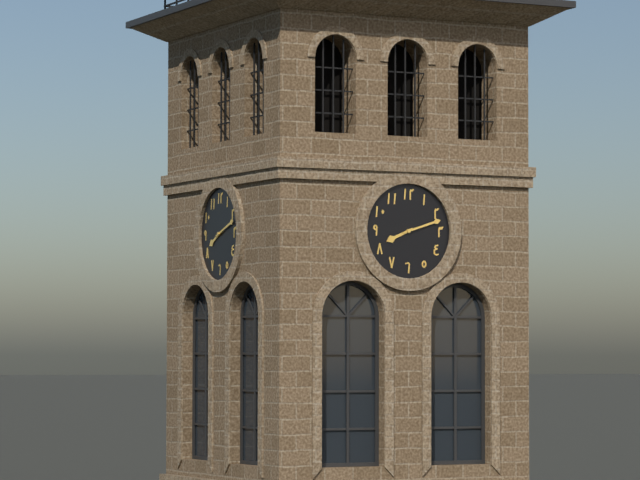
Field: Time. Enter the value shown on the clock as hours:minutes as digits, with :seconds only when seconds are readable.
8:12
